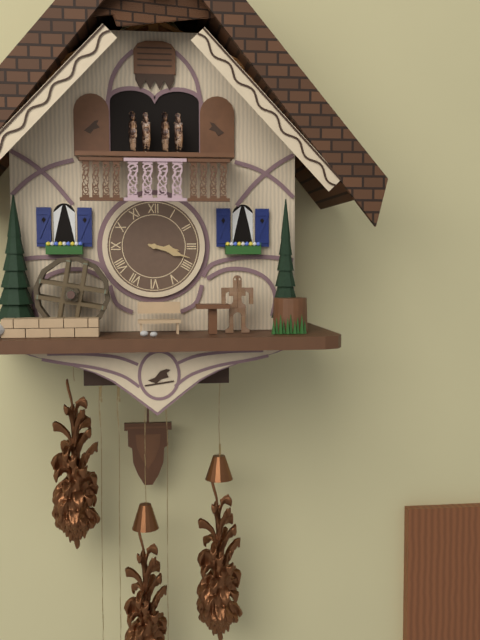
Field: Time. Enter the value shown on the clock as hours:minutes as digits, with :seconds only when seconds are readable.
3:18
